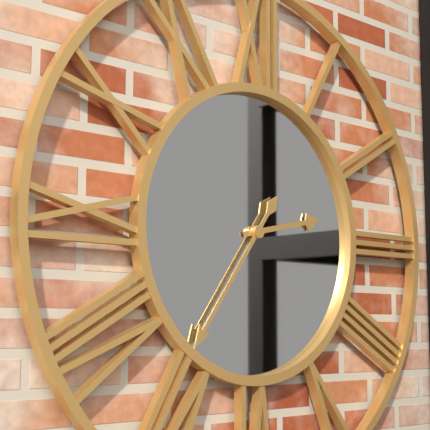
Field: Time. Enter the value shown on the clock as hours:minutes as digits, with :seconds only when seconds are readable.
2:36
